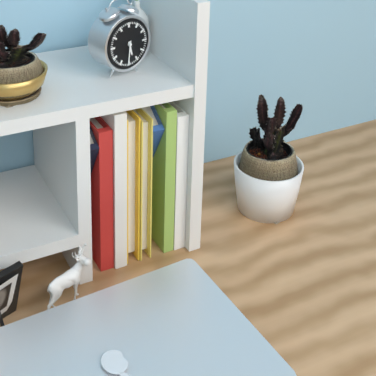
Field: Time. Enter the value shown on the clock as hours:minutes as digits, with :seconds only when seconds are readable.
5:31
